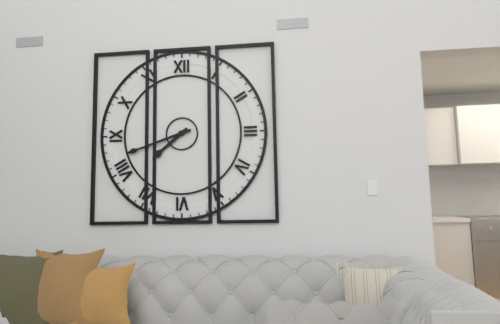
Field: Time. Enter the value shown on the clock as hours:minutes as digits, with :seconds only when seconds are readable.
7:42
